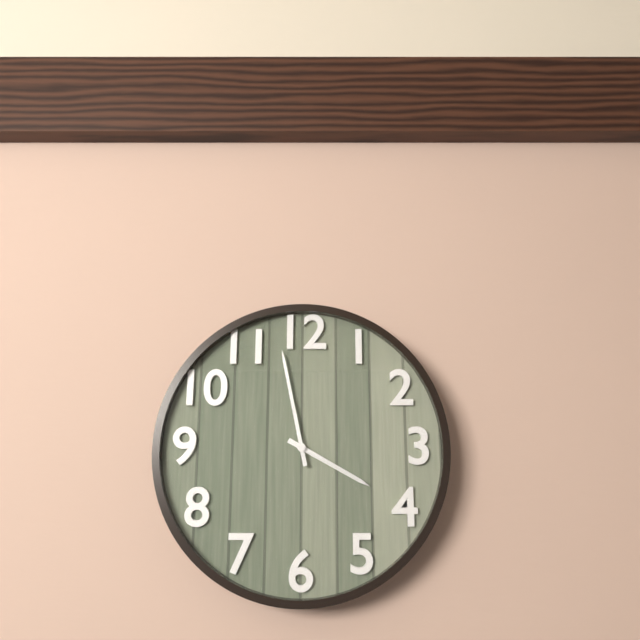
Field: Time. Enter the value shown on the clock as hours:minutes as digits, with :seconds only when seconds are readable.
3:58
